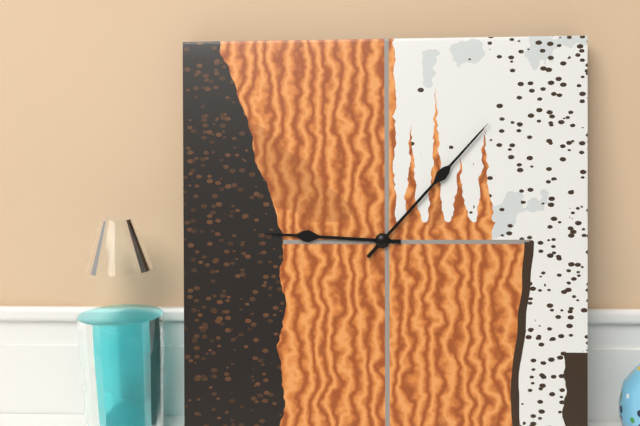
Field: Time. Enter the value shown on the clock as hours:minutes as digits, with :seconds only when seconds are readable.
9:07
